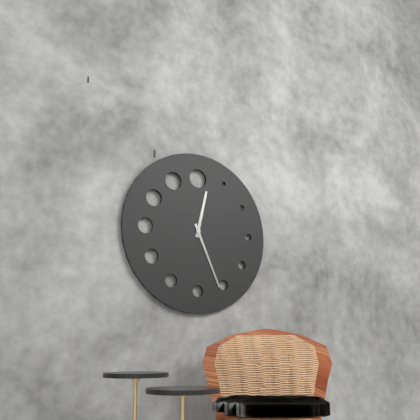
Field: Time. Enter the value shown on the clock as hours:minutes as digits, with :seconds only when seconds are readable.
12:26
